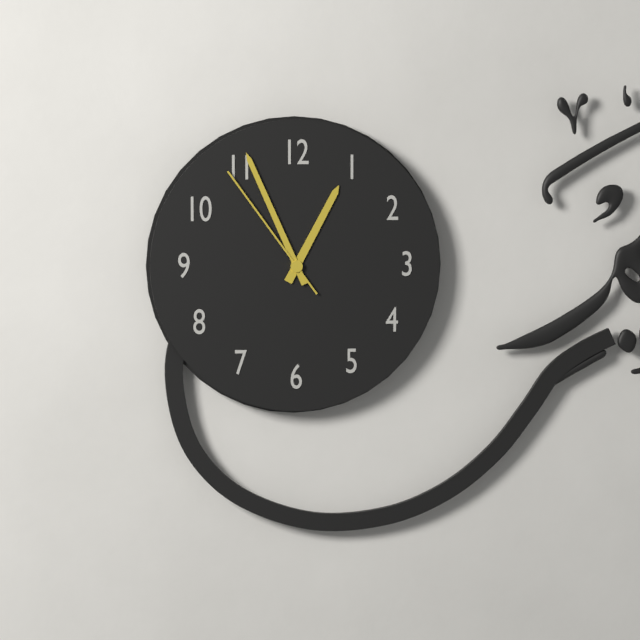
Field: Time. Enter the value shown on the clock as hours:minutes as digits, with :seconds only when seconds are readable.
12:56:54
